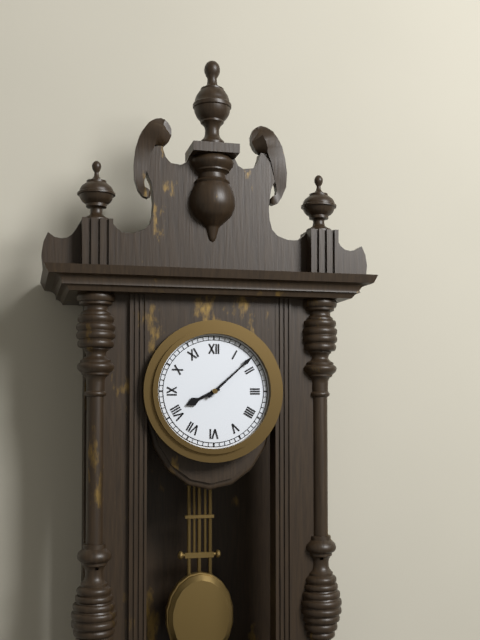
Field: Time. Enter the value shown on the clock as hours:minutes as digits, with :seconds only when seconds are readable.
8:08
